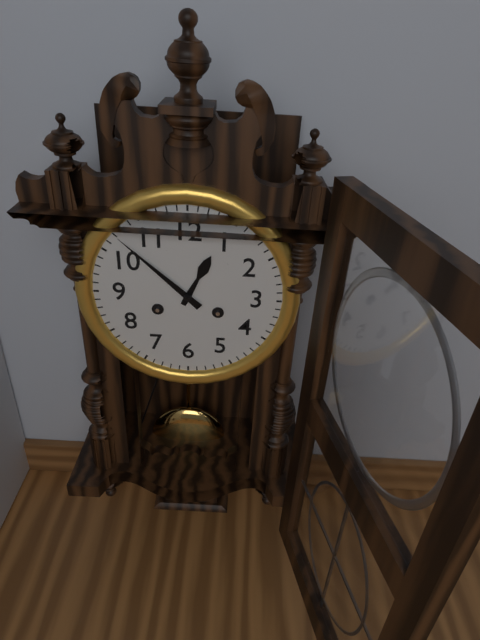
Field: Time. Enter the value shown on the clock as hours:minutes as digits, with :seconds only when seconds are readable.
12:52
